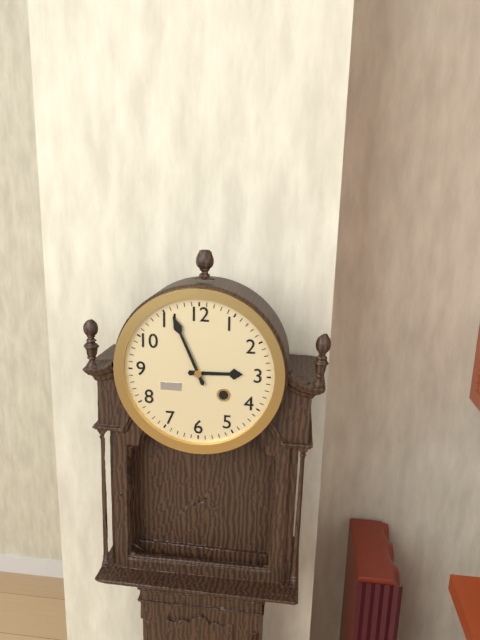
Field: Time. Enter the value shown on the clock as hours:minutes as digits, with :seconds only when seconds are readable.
2:56
